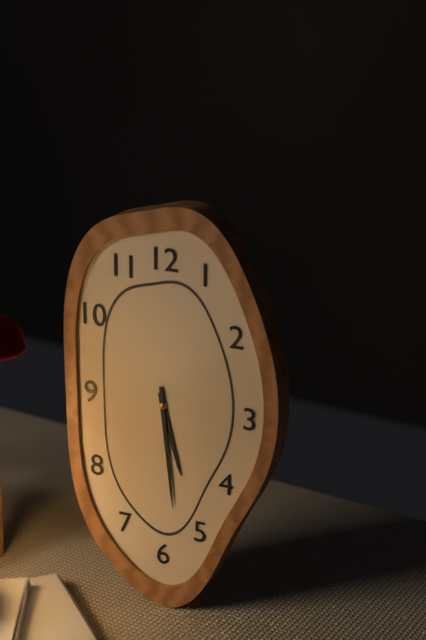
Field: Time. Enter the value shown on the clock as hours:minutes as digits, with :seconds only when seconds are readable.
5:29
